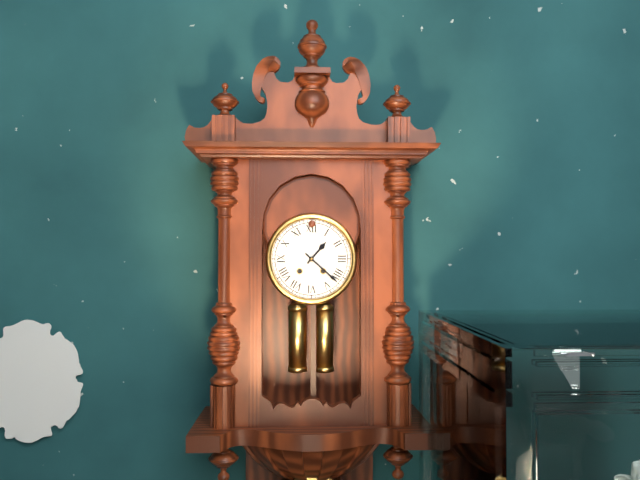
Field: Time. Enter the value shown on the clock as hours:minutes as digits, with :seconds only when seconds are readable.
1:22
